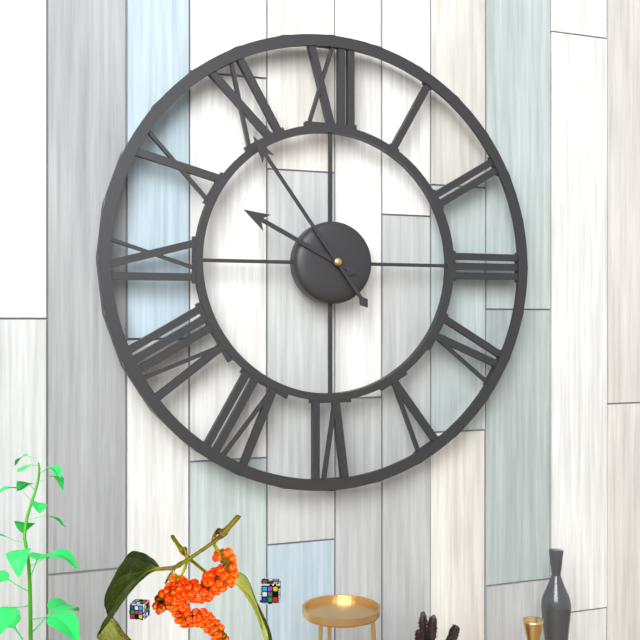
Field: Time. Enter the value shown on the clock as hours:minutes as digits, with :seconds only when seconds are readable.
9:54
